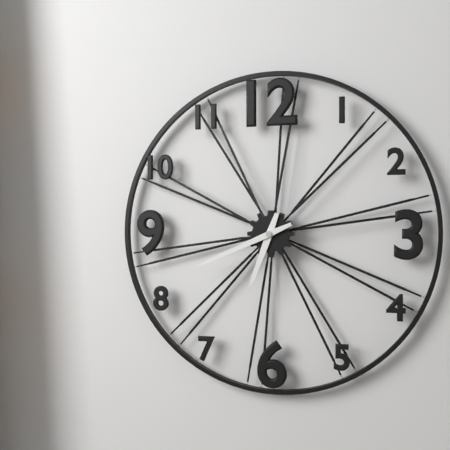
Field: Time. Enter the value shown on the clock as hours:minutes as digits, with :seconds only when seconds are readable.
6:41
